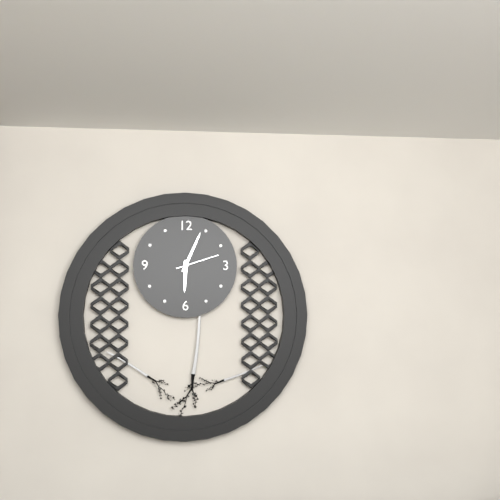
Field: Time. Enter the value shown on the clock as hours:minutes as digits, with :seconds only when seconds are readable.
6:04
